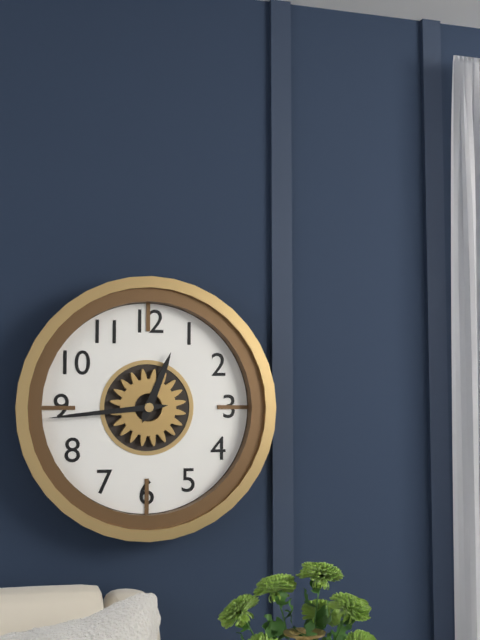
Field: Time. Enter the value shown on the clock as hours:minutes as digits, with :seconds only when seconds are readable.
12:44
